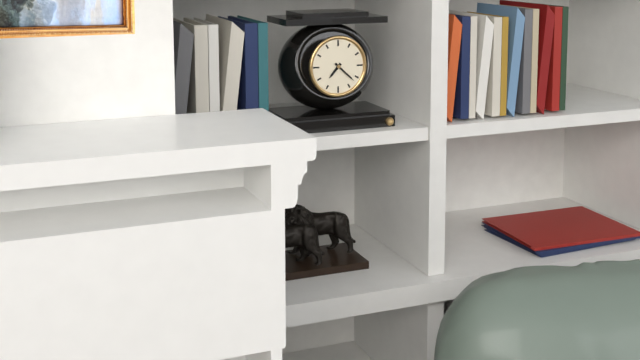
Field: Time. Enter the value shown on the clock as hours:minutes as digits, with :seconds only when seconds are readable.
7:22
